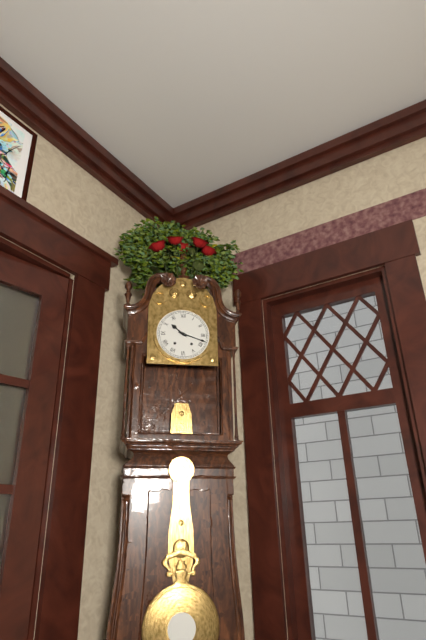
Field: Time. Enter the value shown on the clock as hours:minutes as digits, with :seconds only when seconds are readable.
10:18
